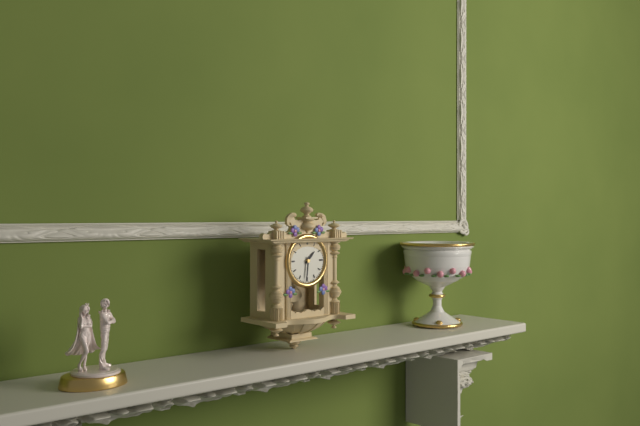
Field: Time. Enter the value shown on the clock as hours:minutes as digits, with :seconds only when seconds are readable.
1:31
